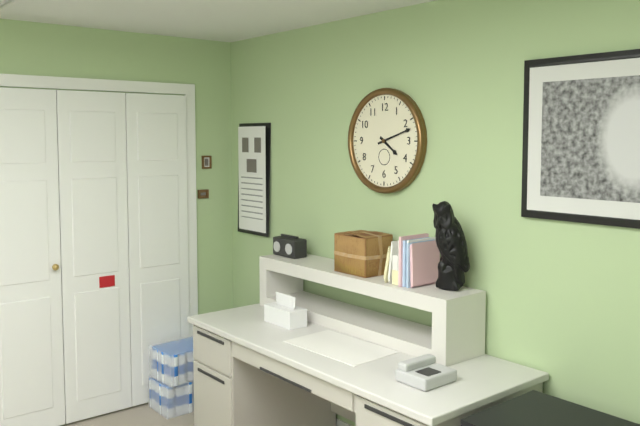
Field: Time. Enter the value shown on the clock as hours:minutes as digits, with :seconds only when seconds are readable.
4:12
